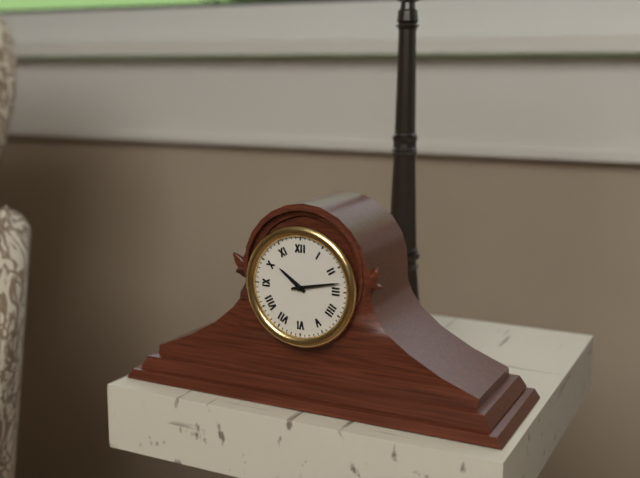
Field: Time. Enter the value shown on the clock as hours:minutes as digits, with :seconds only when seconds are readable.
10:13
